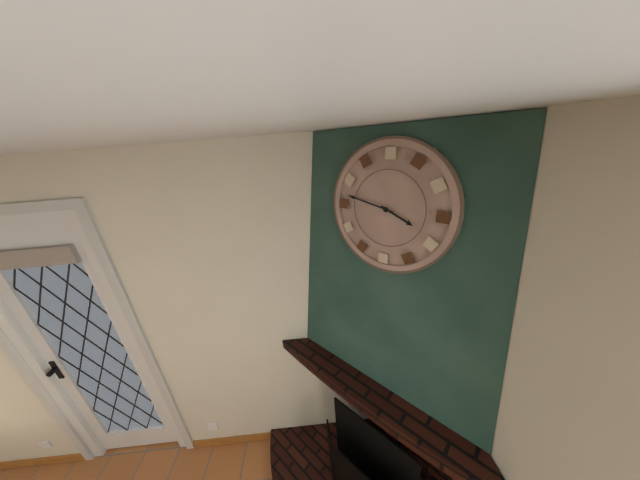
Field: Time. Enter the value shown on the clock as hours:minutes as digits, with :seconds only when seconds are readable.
3:47
